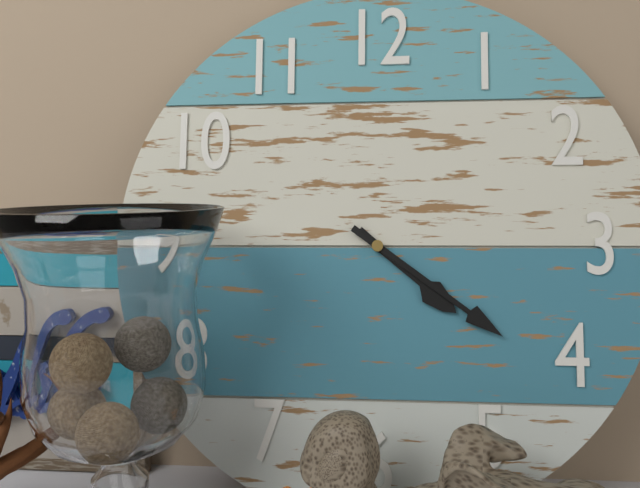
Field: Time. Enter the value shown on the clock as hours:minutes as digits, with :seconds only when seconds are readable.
4:21
